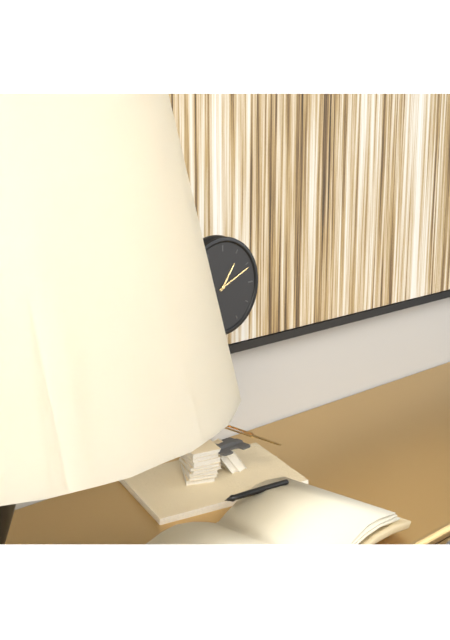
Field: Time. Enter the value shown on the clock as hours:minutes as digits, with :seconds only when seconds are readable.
1:11
